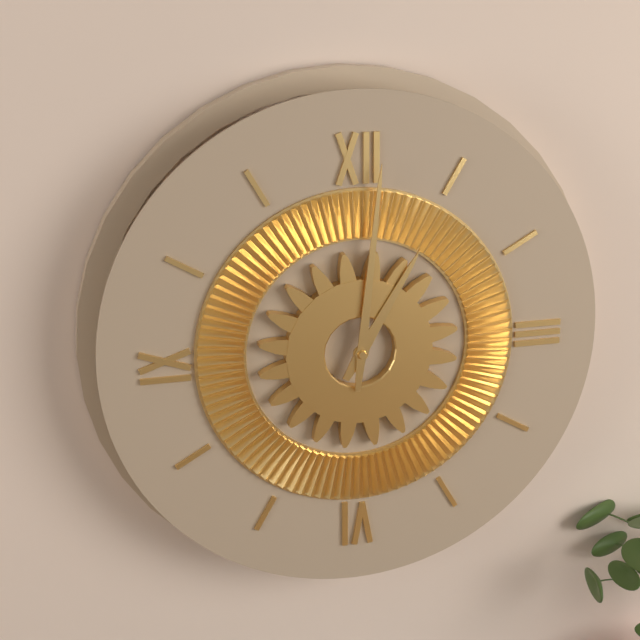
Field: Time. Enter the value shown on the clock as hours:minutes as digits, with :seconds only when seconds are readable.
1:01
